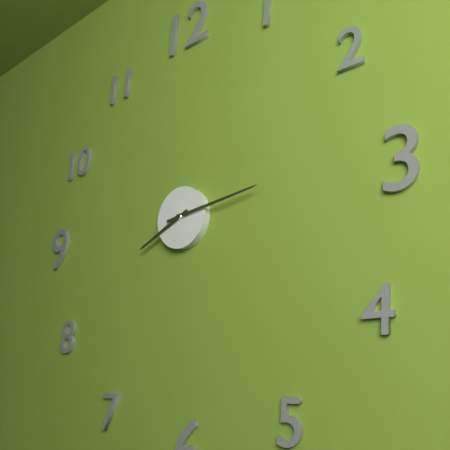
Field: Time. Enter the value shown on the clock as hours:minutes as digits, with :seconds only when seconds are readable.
8:14
